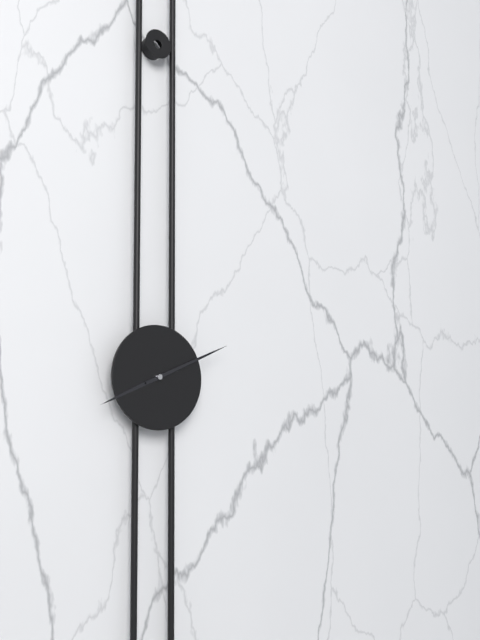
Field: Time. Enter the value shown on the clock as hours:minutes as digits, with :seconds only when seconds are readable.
8:11
